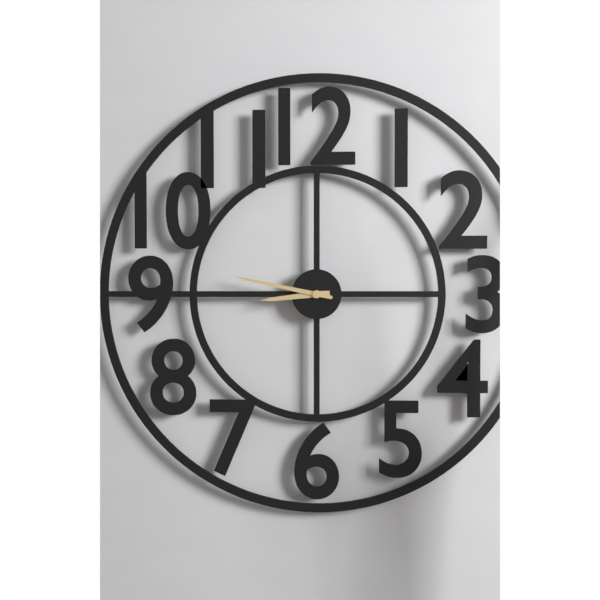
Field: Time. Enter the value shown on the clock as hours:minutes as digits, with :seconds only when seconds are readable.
8:47
